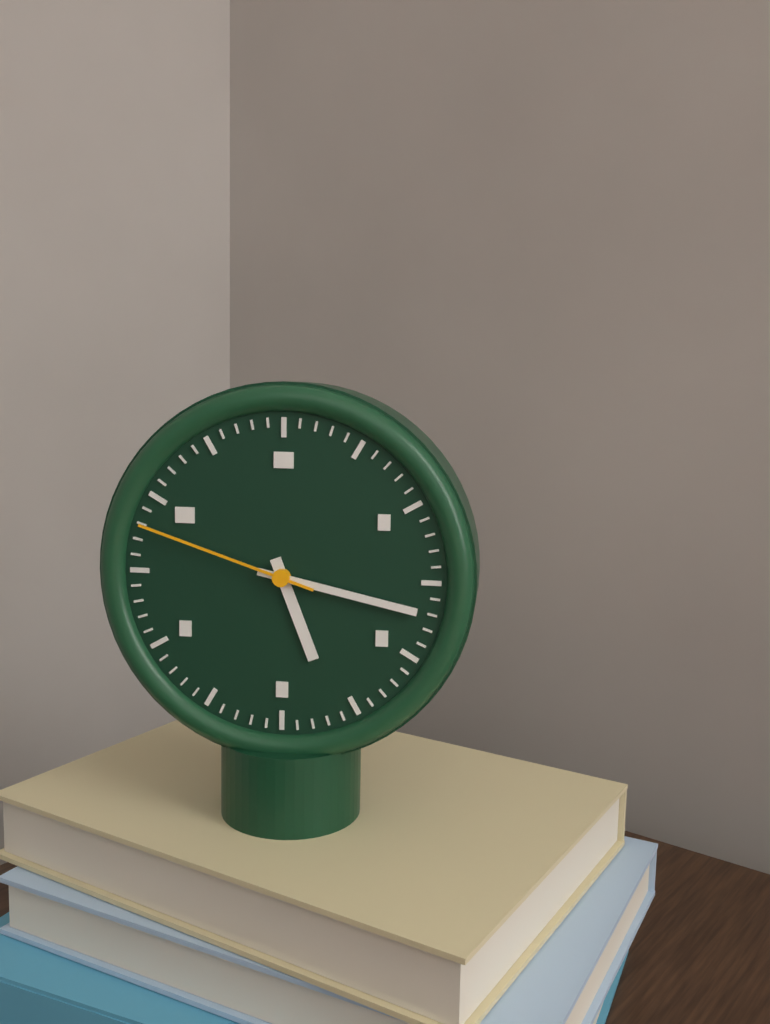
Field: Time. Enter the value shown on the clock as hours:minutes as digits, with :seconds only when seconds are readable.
5:17:48
